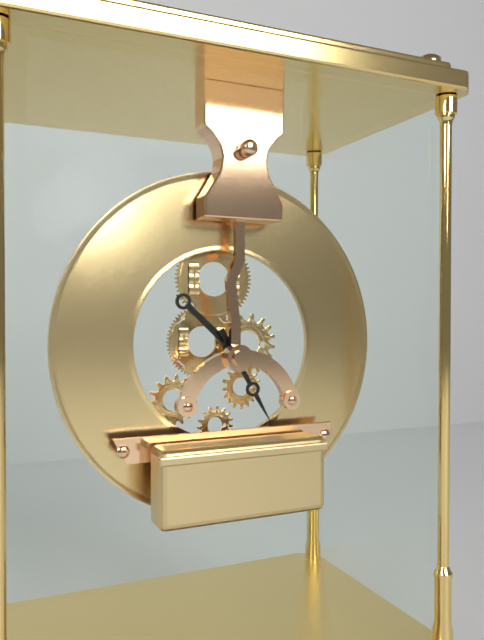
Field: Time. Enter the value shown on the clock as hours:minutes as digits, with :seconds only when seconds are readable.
10:25
